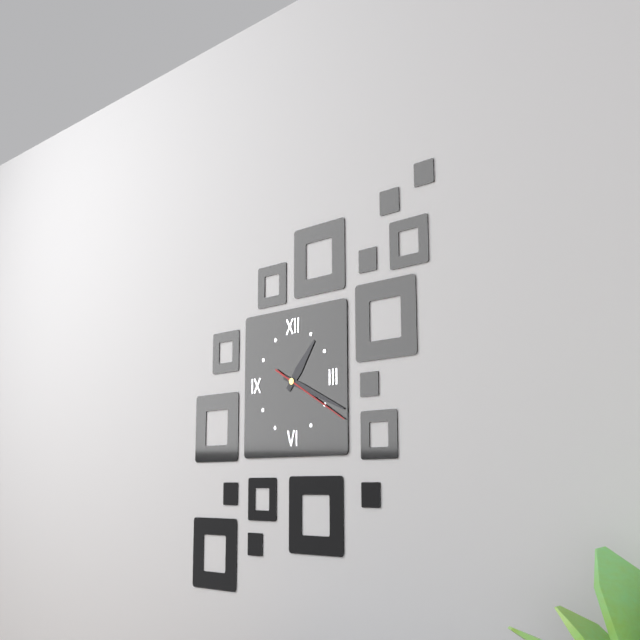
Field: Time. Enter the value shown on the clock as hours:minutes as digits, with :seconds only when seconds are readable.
1:19:20
